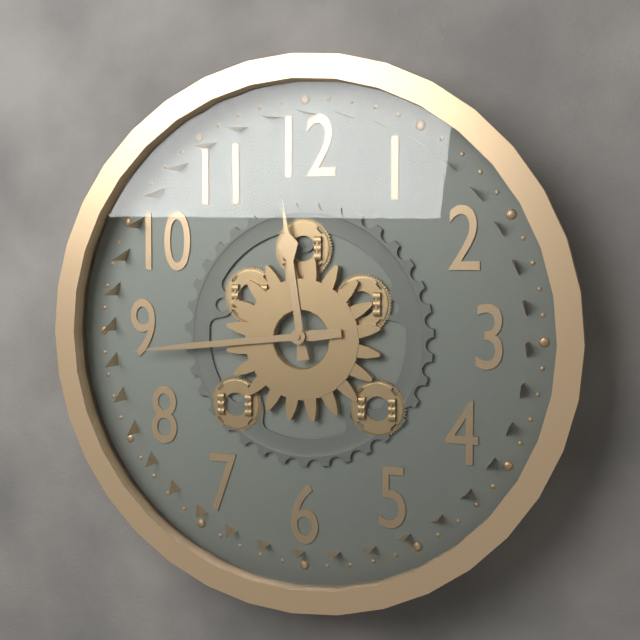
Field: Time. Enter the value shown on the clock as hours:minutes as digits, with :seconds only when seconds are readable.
11:44
